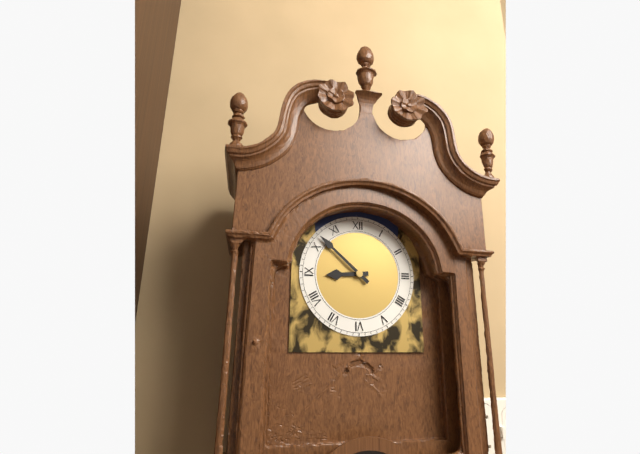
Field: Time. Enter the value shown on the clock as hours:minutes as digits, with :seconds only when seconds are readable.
8:52
